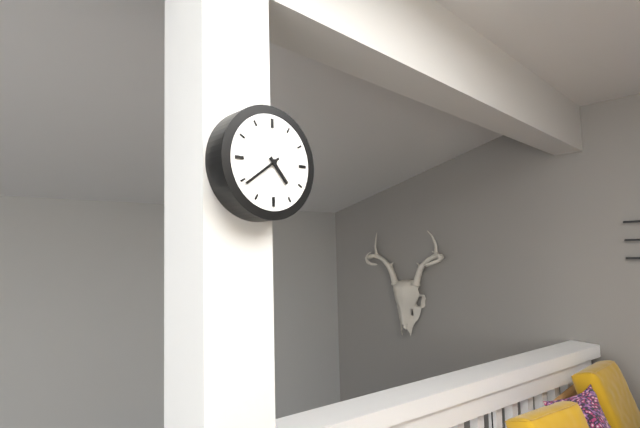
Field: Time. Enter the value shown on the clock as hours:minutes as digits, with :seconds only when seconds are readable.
4:39
